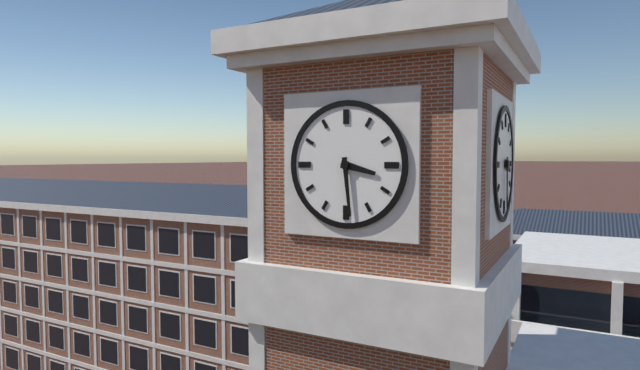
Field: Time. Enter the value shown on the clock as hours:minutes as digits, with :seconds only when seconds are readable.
3:29
